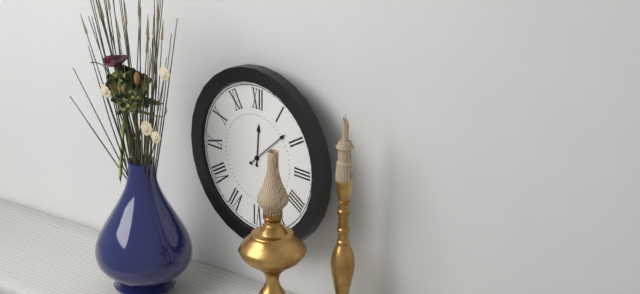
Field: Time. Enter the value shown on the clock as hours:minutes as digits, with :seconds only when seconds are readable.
12:08
